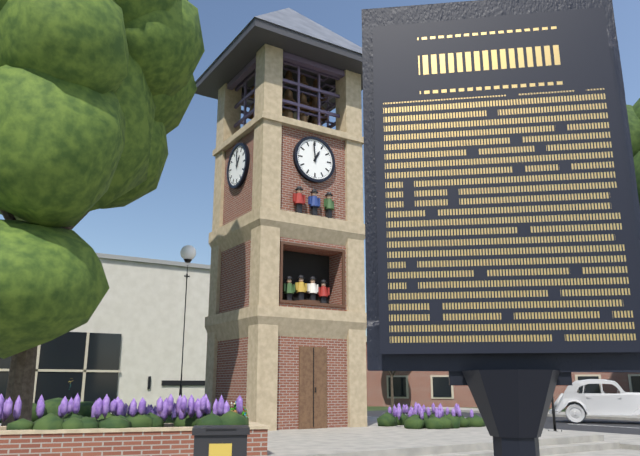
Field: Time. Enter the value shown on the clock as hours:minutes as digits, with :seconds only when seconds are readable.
12:59
